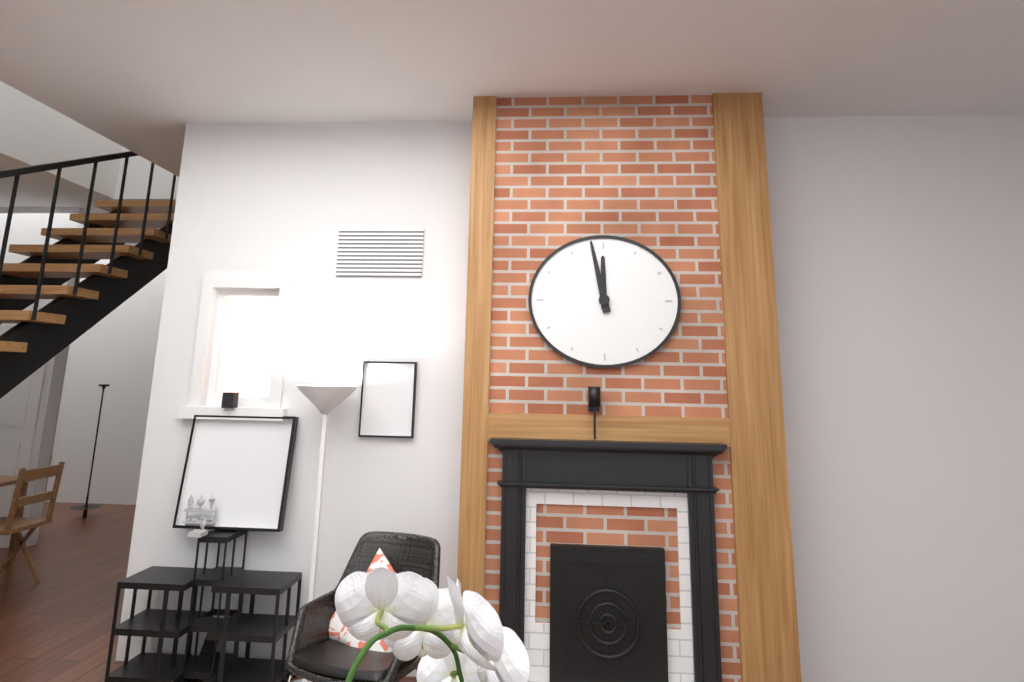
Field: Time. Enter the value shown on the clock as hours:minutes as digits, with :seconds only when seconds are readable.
11:58
